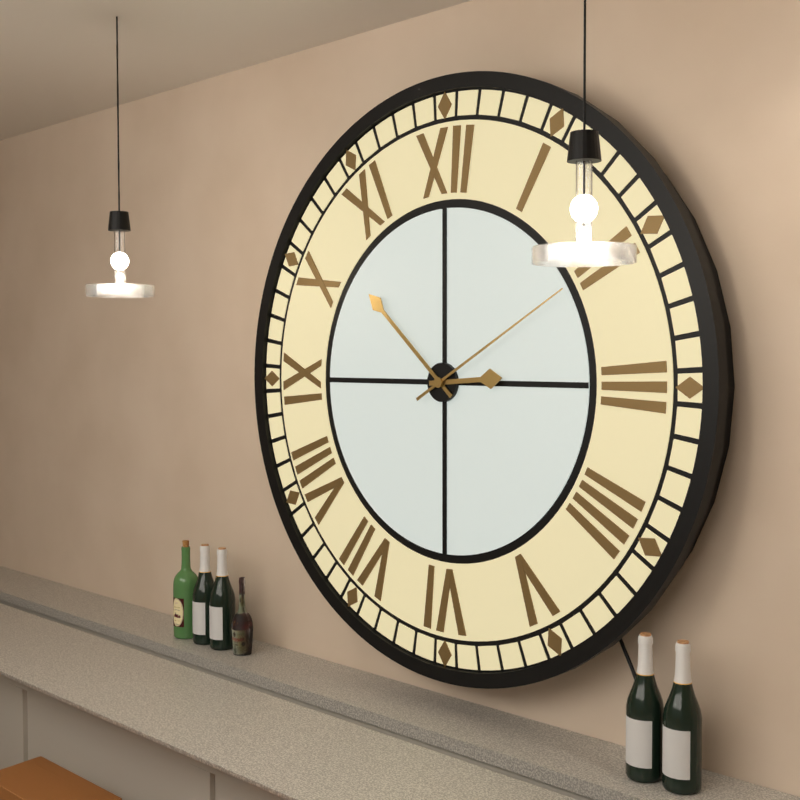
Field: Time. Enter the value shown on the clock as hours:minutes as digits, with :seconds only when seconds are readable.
2:52:10
